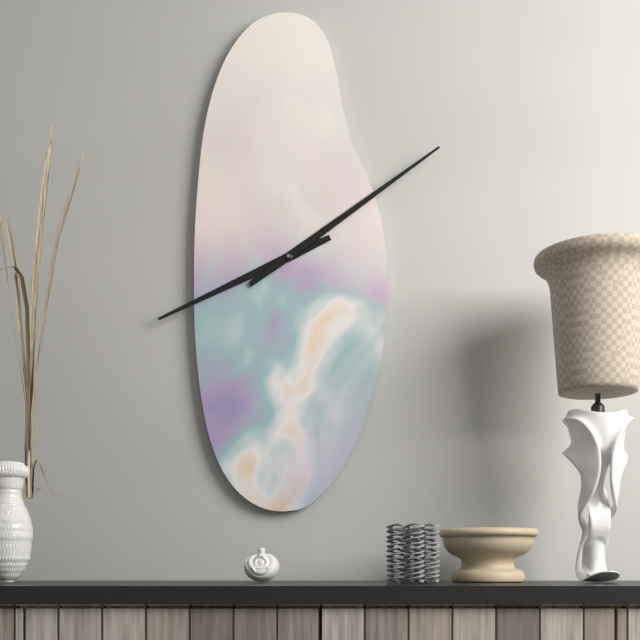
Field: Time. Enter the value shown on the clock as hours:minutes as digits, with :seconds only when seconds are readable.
8:09
